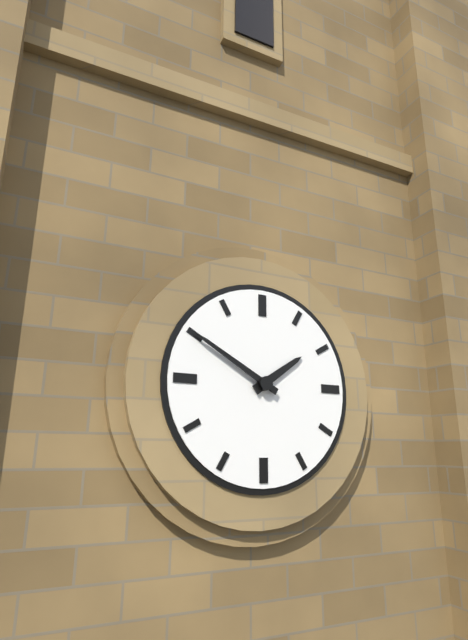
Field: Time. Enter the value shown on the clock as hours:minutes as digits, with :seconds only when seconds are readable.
1:50
